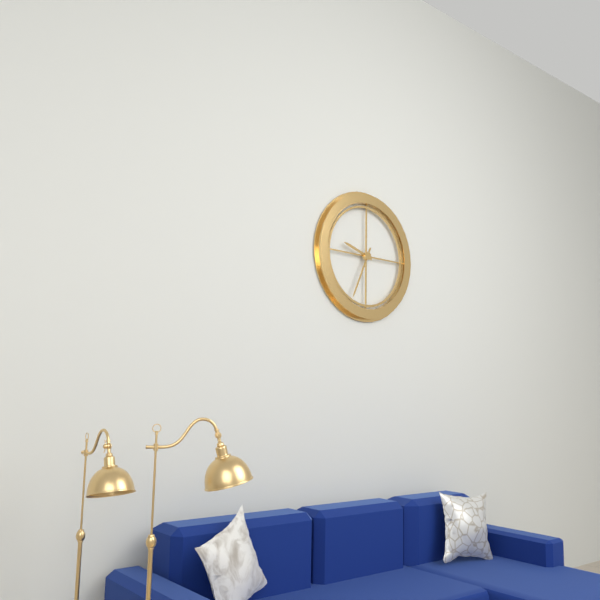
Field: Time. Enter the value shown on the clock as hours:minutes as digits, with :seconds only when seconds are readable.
9:34
